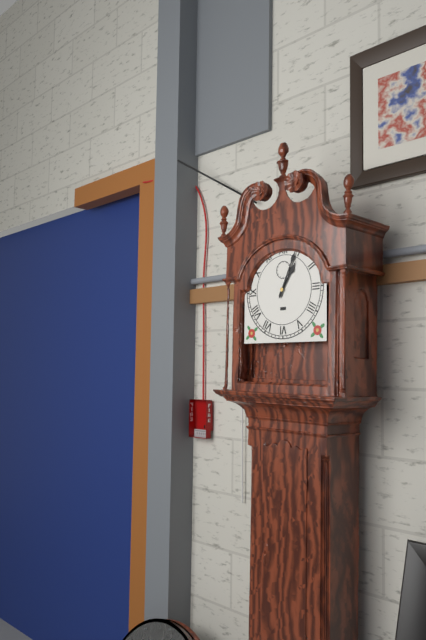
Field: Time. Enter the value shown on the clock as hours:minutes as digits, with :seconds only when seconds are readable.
1:04
